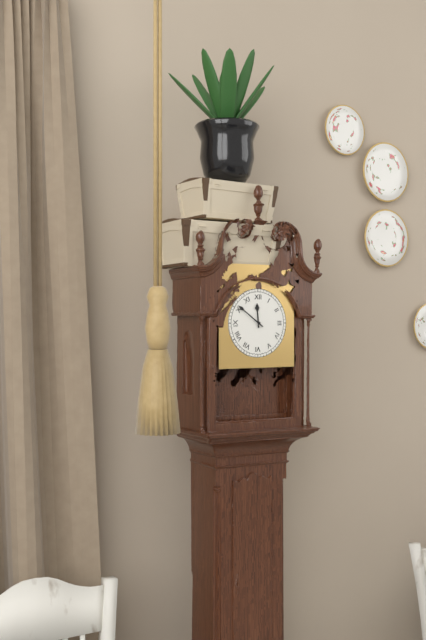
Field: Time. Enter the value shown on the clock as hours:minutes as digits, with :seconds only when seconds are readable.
11:51
